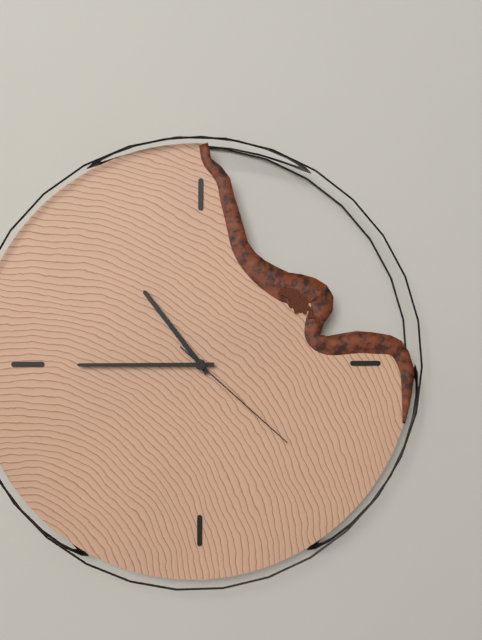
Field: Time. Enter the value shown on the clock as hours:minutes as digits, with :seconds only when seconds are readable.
10:45:22
